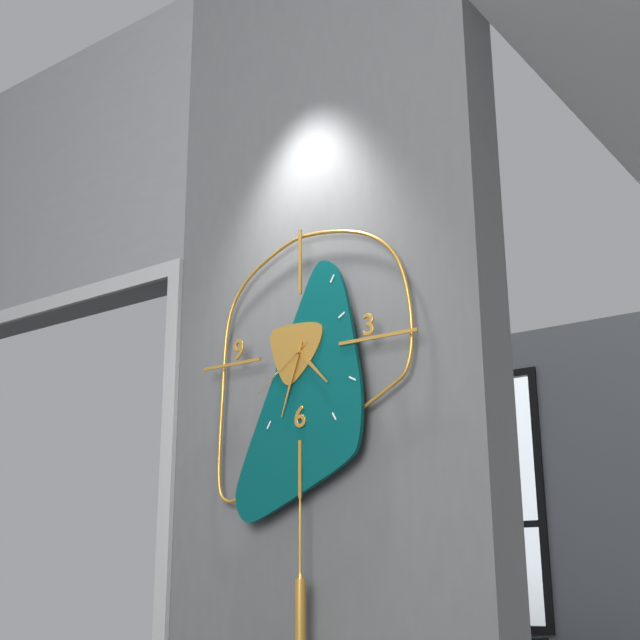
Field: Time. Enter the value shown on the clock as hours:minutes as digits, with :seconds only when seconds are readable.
4:33:39
